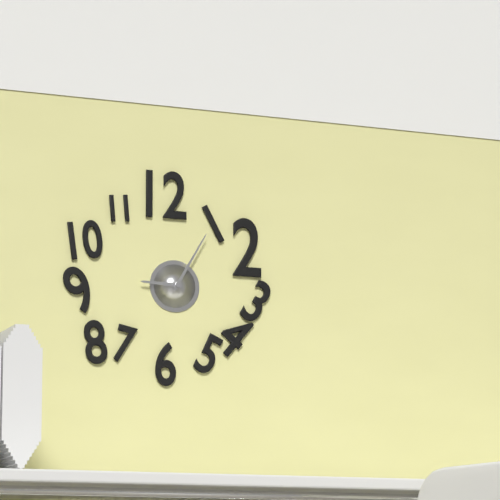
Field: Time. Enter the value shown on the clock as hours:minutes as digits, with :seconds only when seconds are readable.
9:05
